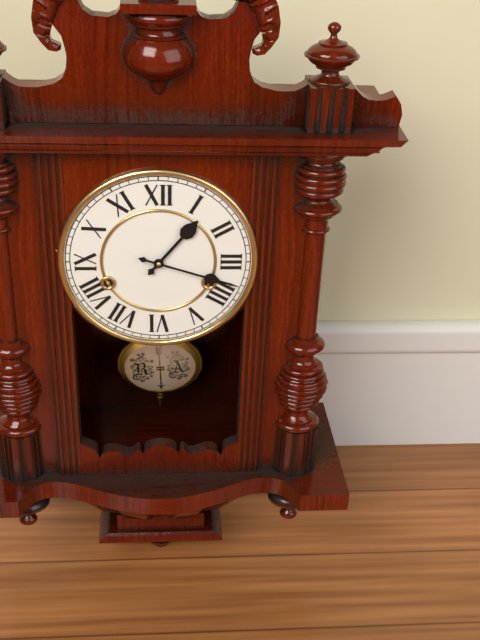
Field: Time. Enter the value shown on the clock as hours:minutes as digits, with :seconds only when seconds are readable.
1:18
